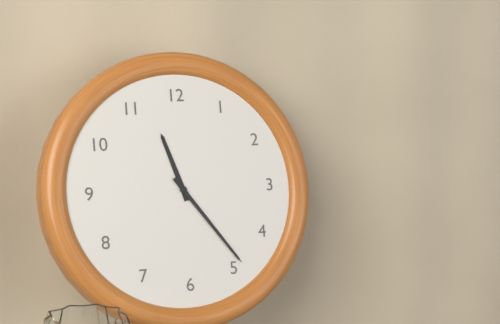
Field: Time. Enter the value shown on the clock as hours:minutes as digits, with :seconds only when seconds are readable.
11:24
